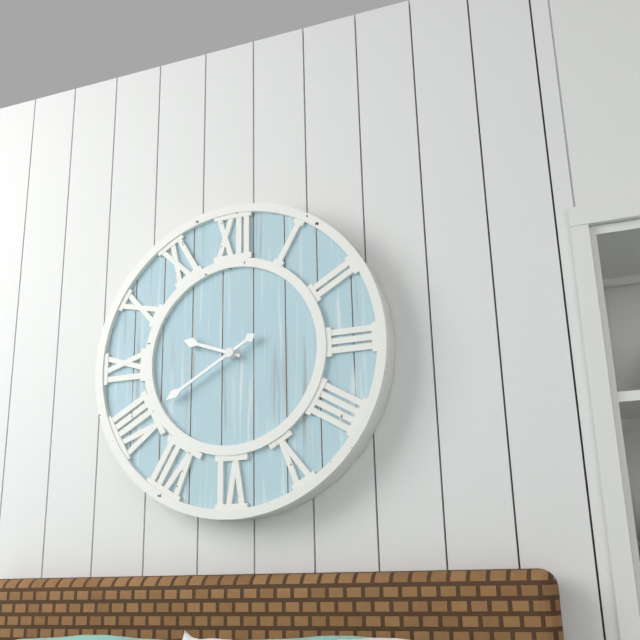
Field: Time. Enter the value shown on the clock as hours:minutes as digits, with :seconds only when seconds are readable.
9:40
